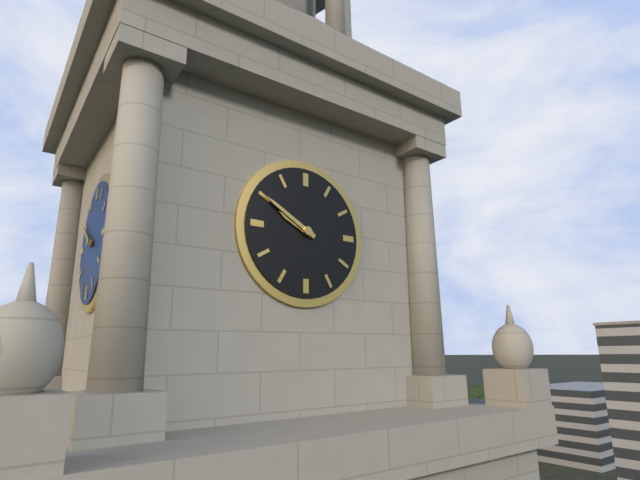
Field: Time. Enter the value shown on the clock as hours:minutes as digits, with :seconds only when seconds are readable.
9:50
